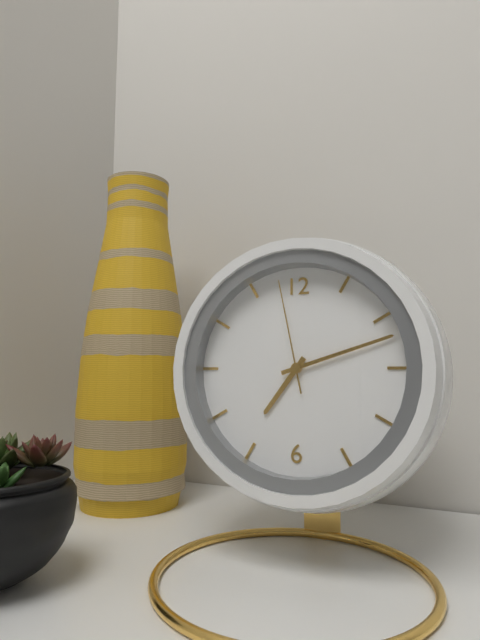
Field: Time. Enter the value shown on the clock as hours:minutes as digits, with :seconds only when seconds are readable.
7:12:58
